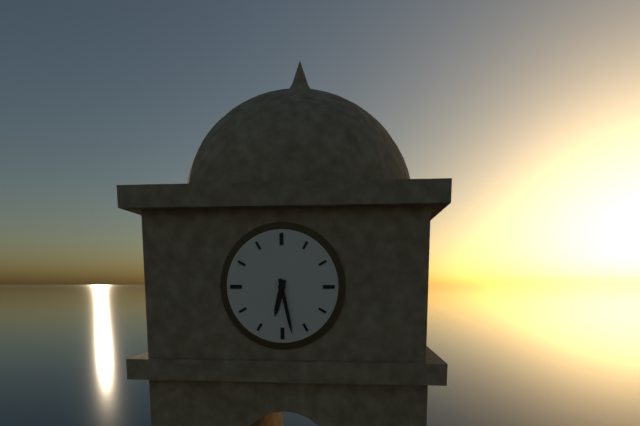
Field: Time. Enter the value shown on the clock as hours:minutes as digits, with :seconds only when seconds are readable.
6:28
